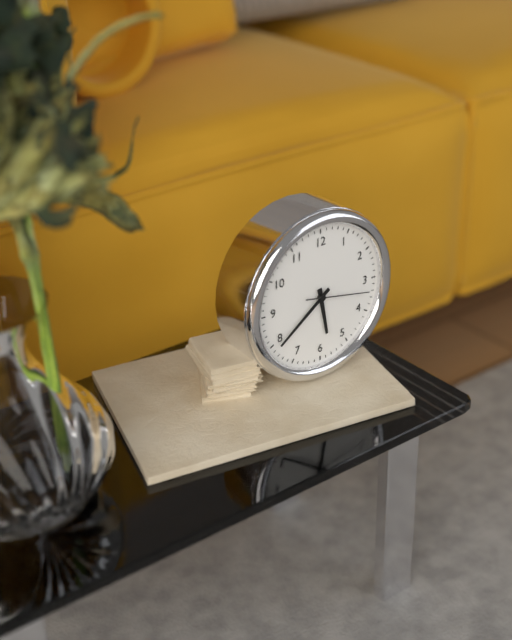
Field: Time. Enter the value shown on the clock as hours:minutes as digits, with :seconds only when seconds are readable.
5:39:17
